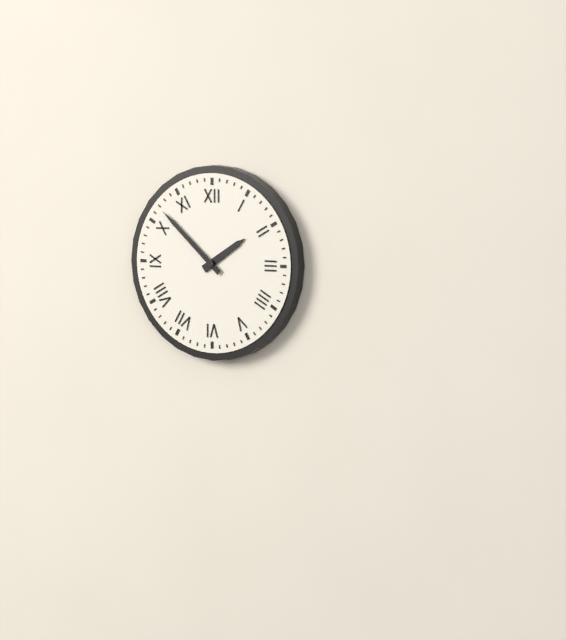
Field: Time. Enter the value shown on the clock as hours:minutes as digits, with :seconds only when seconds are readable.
1:52
